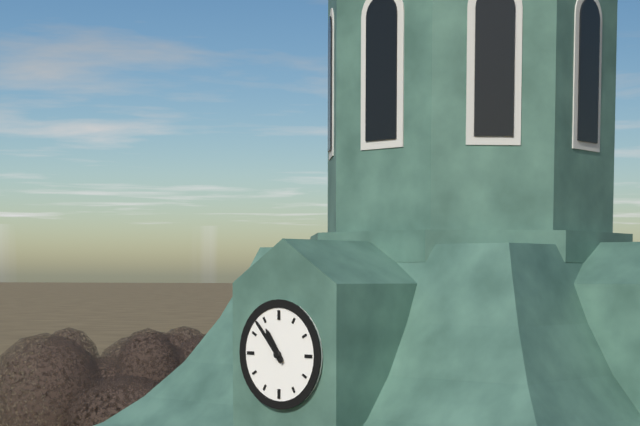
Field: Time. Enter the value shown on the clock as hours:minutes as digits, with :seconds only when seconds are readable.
10:53
